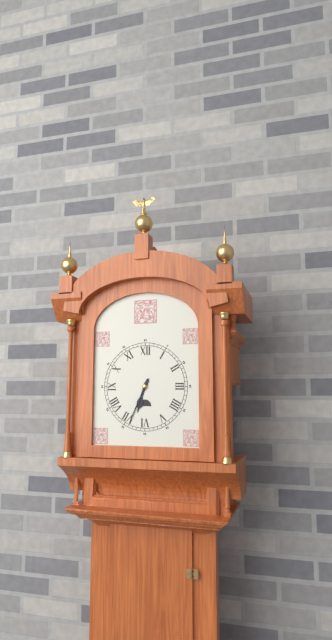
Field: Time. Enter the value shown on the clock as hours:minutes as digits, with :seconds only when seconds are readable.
6:34
